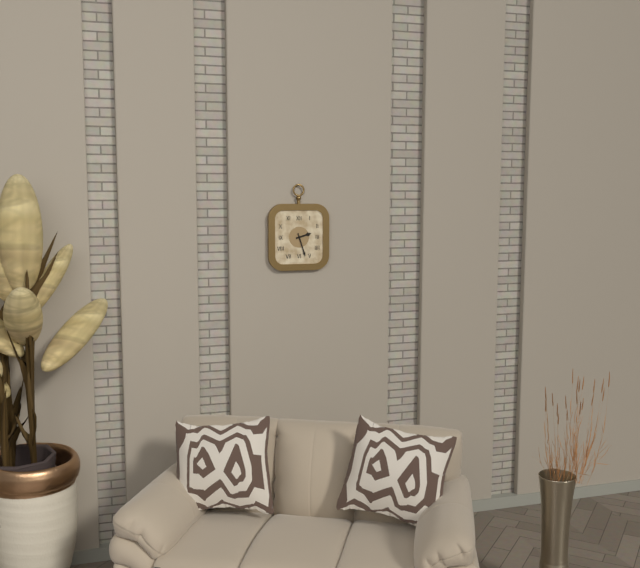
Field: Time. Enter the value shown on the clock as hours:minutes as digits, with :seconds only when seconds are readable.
2:27
